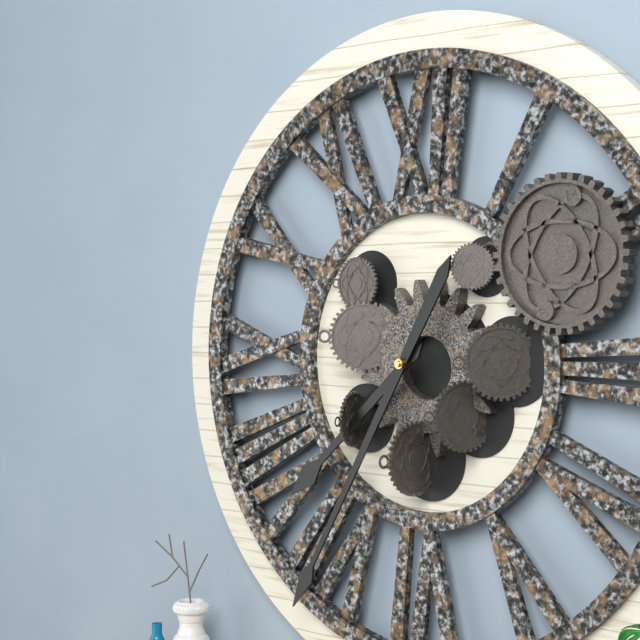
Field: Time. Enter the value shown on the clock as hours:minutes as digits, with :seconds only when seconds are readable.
7:35
